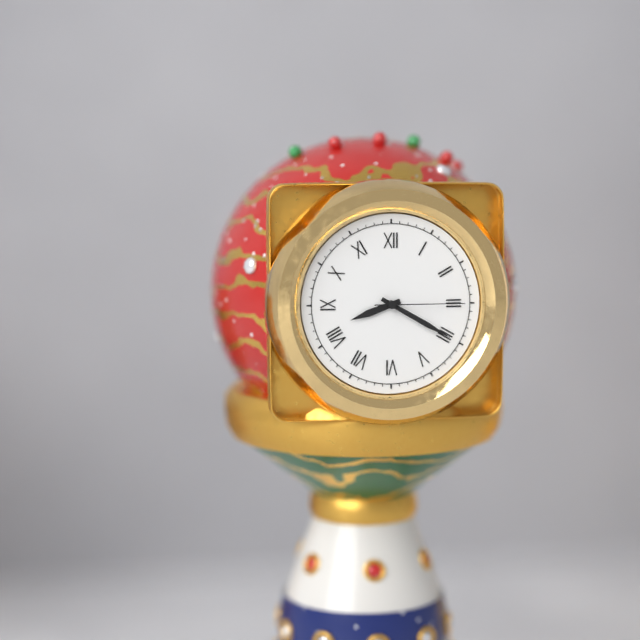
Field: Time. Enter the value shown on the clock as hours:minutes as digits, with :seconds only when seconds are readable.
8:20:15
